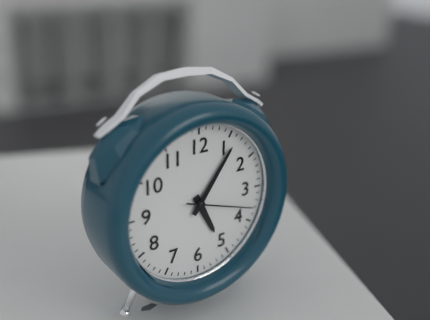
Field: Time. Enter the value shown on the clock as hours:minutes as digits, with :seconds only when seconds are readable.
5:06:18
